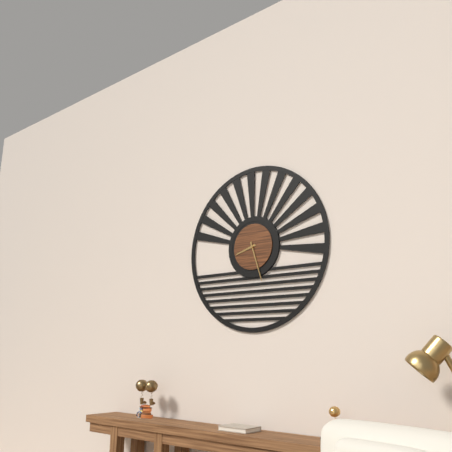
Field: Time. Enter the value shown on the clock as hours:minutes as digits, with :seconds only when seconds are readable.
8:27
